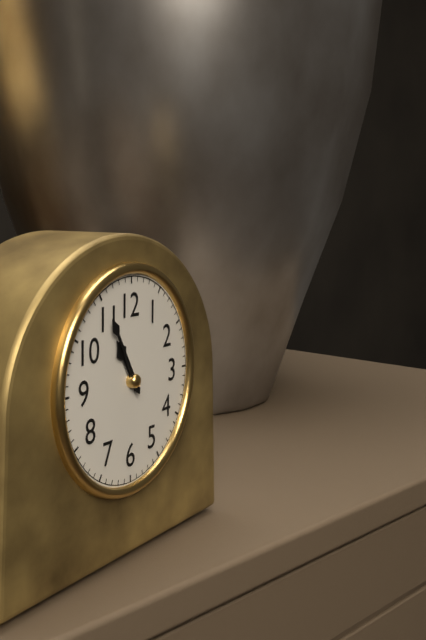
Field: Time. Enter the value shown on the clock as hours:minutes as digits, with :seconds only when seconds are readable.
10:55
